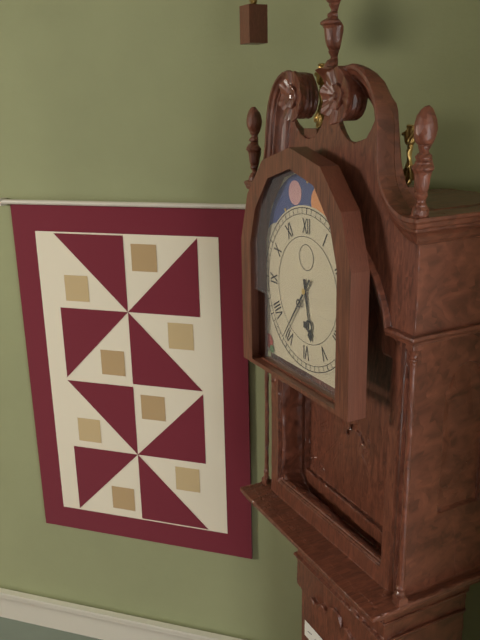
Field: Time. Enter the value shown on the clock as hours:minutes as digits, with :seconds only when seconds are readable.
5:36
